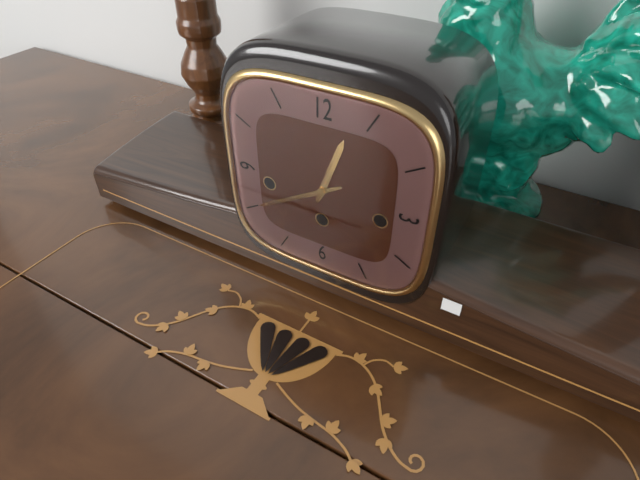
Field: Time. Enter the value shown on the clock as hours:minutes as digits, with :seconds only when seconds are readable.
12:40
